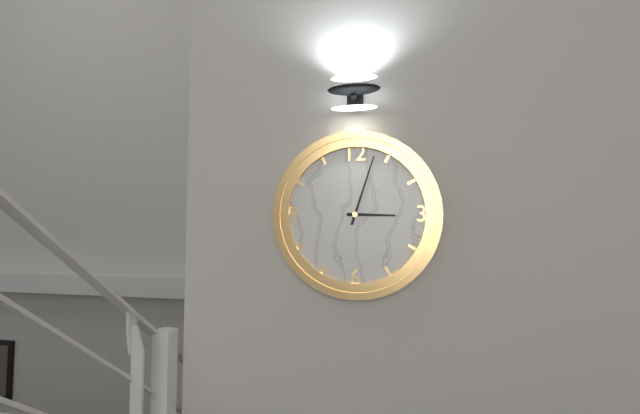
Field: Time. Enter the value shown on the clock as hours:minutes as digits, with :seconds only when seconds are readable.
3:03
